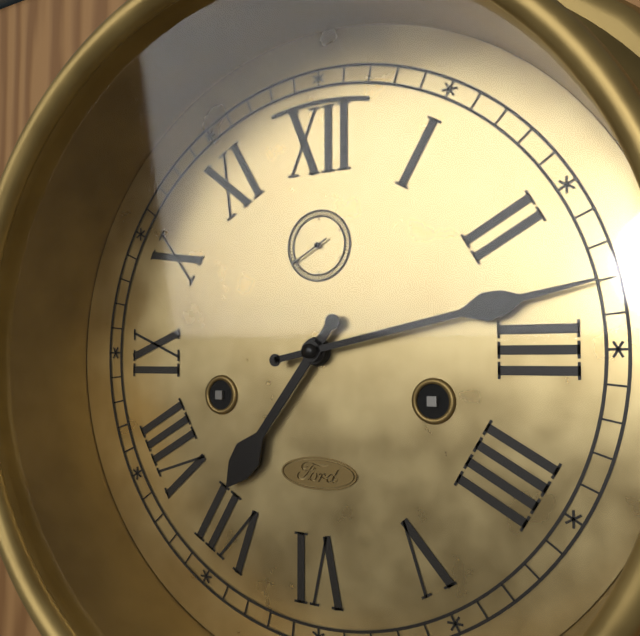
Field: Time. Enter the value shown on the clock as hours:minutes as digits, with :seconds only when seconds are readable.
7:13
